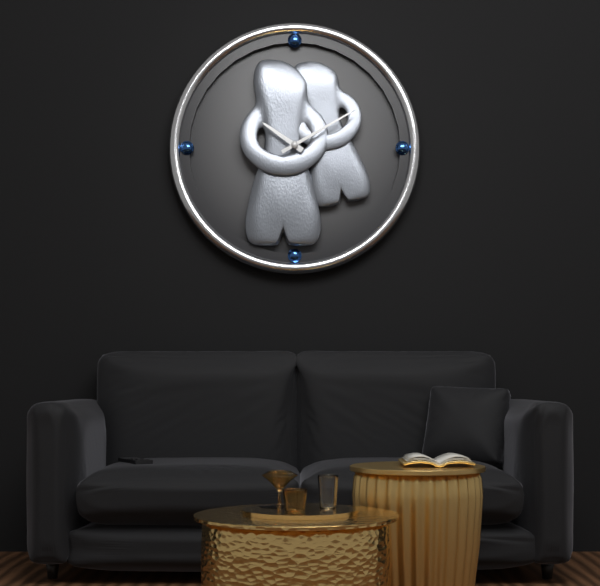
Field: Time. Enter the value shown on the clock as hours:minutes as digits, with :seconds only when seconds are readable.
10:10
